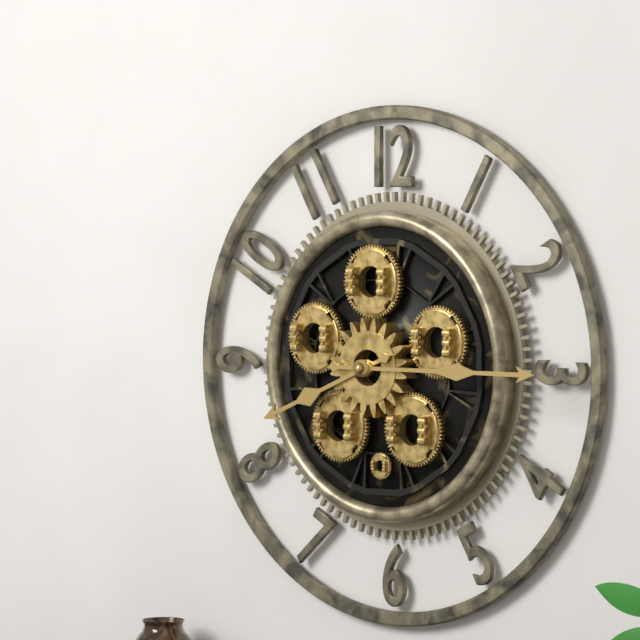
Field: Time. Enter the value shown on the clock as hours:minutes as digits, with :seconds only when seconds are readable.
8:15
